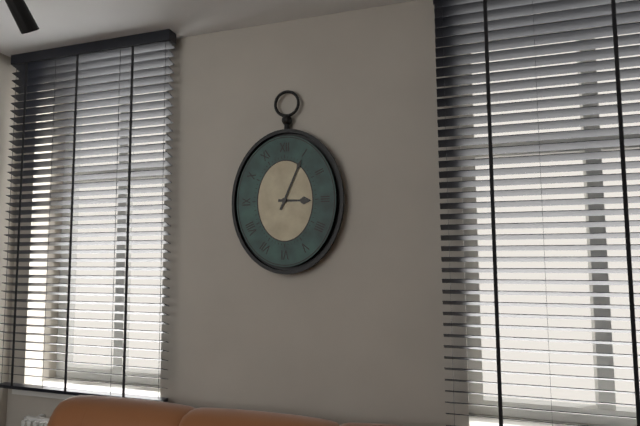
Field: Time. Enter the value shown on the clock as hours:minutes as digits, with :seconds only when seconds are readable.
3:04
